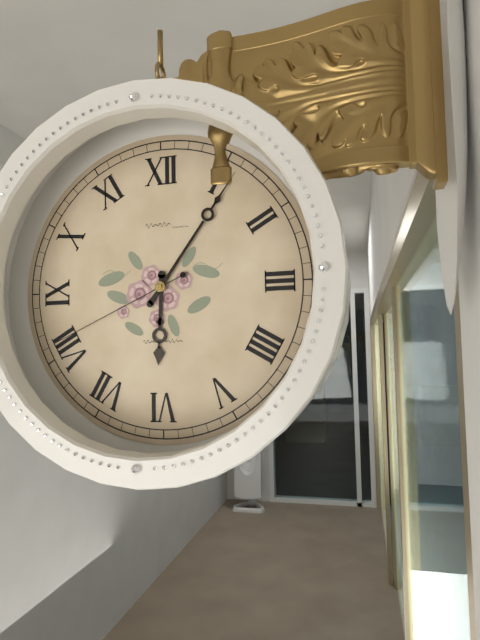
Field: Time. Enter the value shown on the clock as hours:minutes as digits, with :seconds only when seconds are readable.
6:06:41
